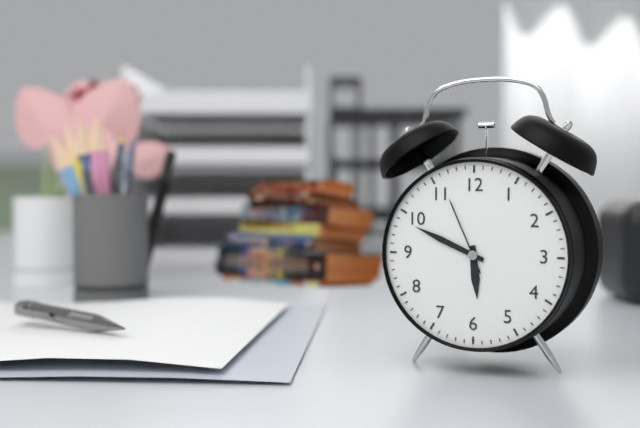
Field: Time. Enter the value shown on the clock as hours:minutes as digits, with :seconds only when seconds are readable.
5:49:56
